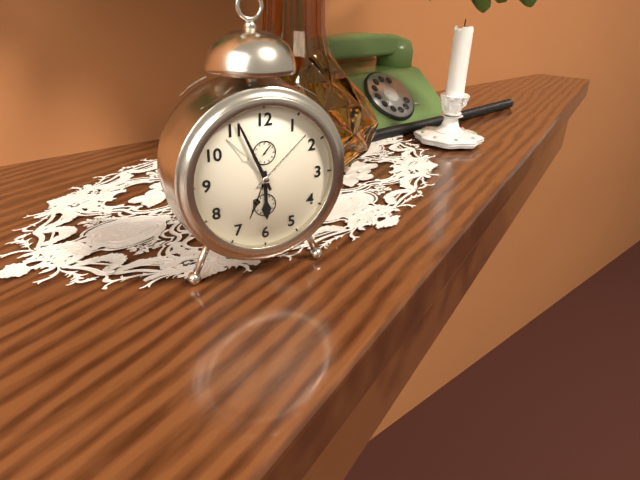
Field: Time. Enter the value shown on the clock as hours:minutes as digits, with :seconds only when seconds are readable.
5:56
